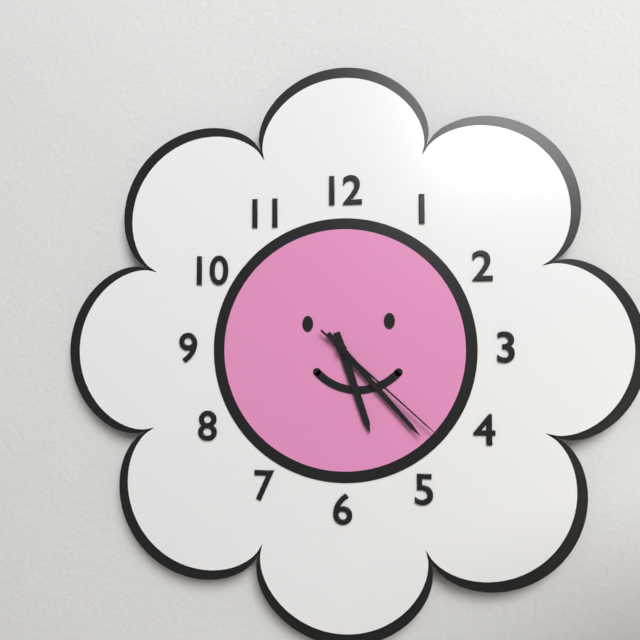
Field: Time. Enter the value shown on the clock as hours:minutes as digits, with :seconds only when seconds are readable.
5:23:22
